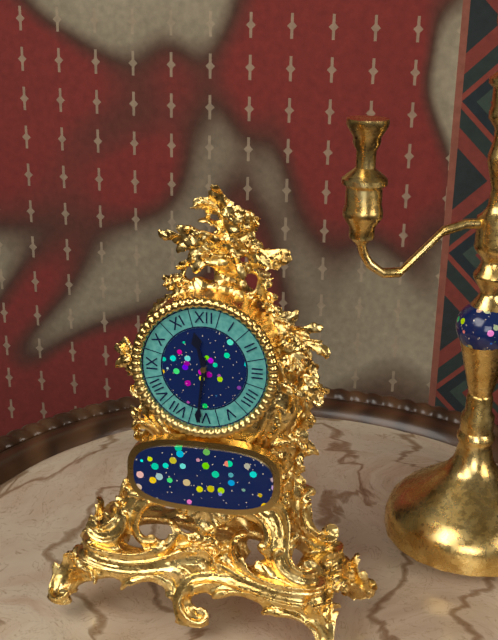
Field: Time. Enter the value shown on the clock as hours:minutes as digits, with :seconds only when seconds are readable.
11:31
